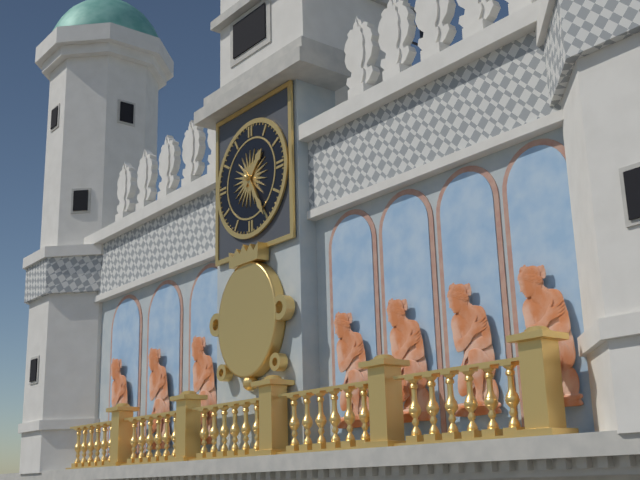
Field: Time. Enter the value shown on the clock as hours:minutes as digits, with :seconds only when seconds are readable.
1:25
